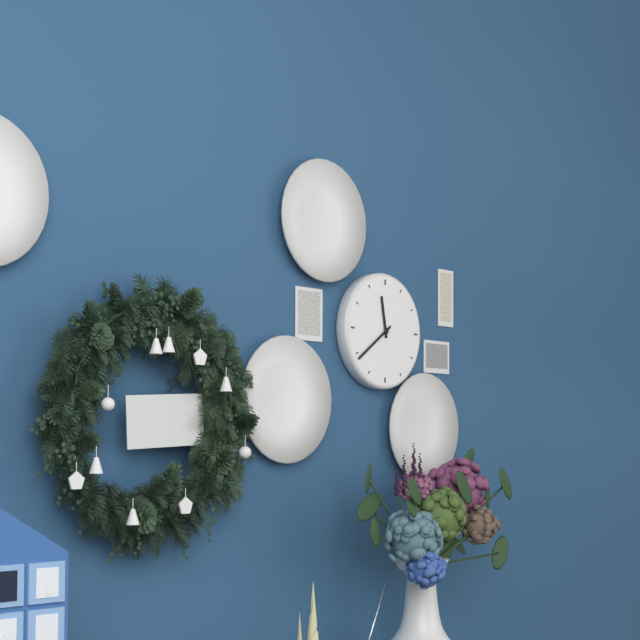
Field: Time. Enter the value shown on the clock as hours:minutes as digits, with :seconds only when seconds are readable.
11:39
